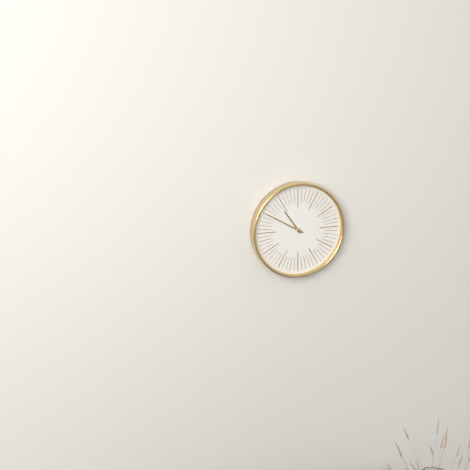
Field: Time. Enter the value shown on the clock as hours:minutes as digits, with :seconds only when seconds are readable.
10:50
